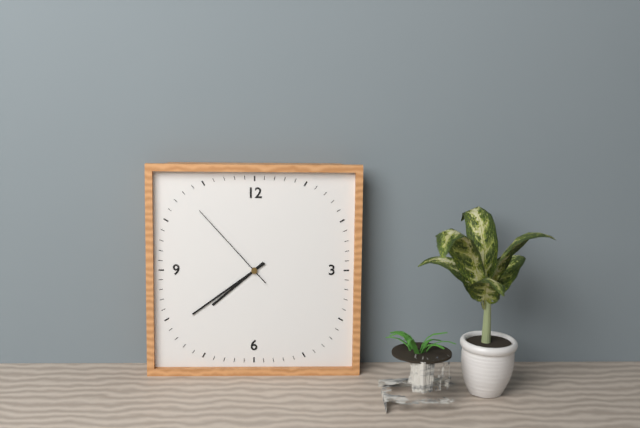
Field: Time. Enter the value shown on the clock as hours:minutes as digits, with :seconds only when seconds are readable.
7:39:53
